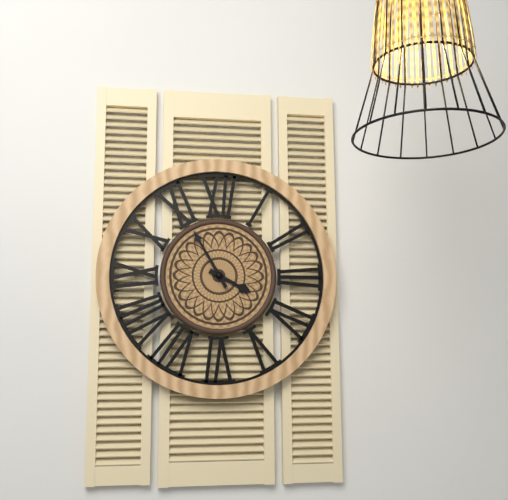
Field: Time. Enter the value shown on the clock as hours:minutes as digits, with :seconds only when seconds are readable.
3:55
